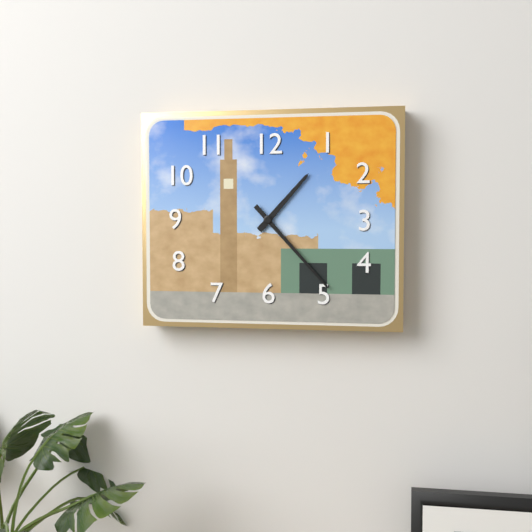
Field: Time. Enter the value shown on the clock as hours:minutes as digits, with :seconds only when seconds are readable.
1:23
